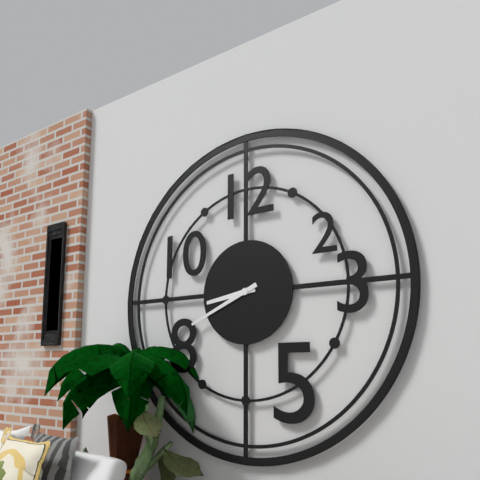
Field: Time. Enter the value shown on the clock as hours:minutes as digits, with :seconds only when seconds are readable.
8:41
